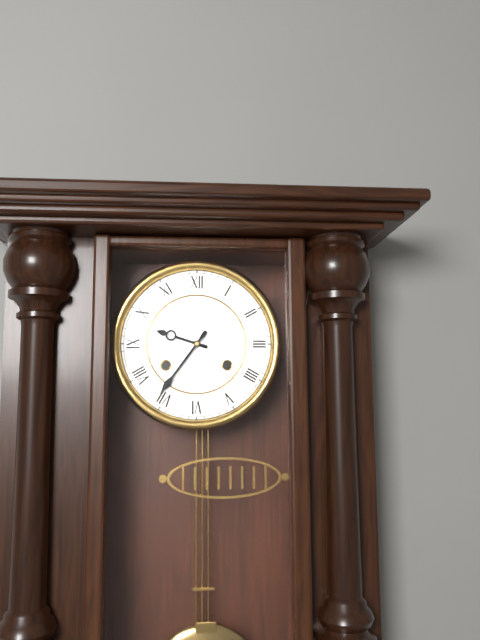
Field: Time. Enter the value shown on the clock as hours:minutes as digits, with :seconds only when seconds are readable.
9:36
